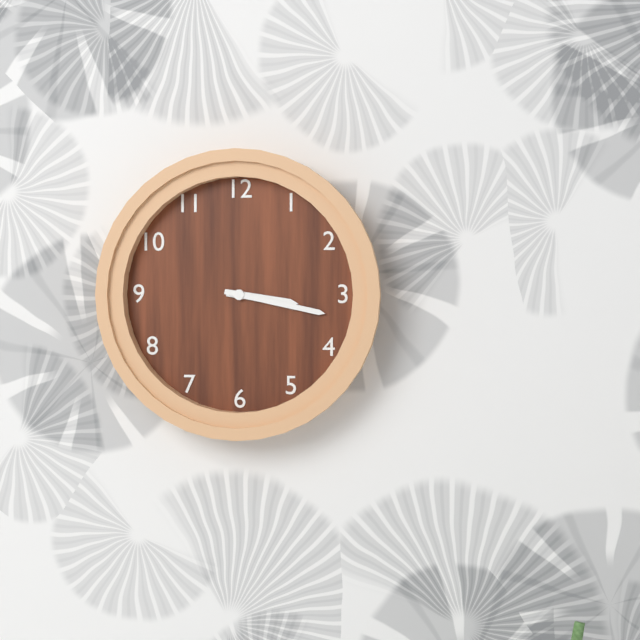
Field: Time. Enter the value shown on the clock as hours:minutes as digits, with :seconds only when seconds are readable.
3:17
